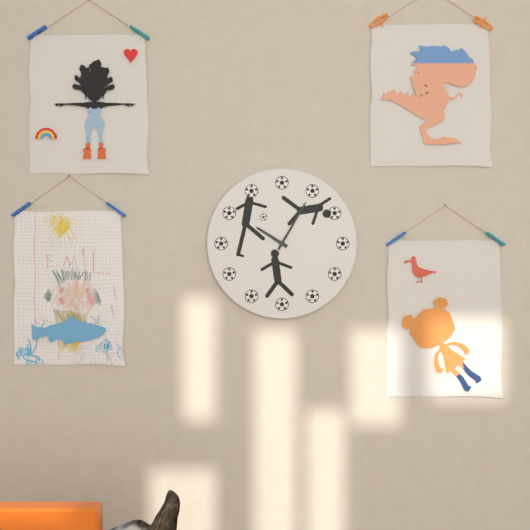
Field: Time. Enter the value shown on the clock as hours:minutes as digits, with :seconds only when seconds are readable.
10:05
